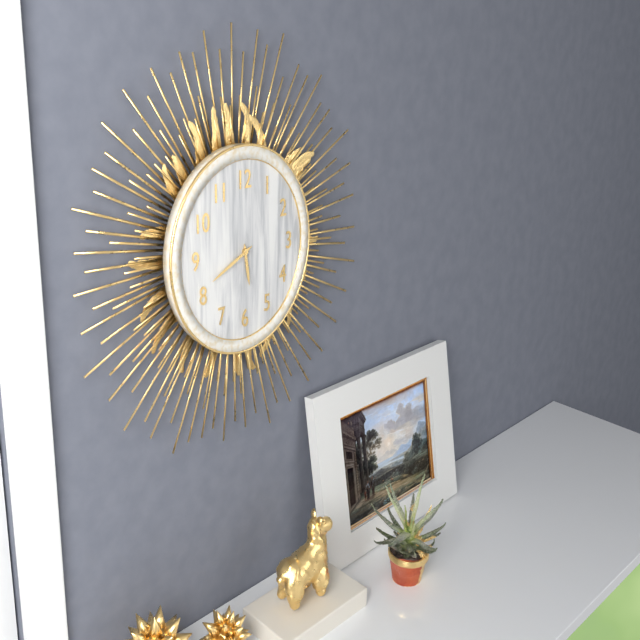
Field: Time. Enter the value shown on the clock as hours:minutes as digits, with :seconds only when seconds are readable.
5:41
